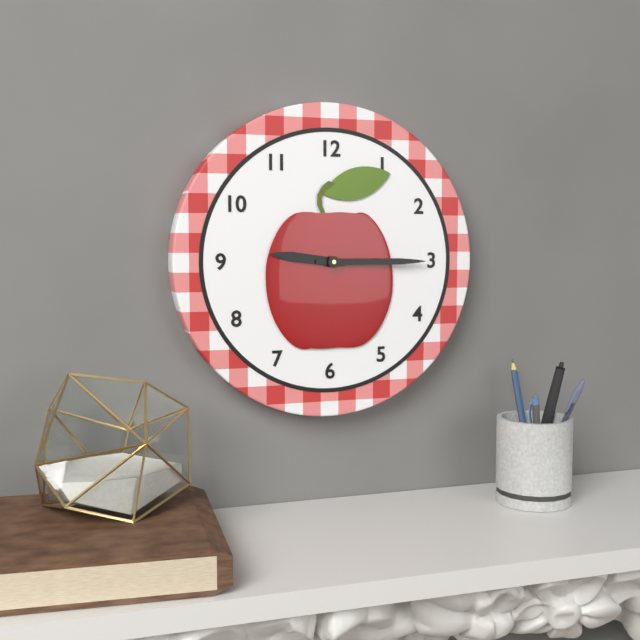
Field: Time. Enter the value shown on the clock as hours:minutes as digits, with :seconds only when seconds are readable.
9:15
